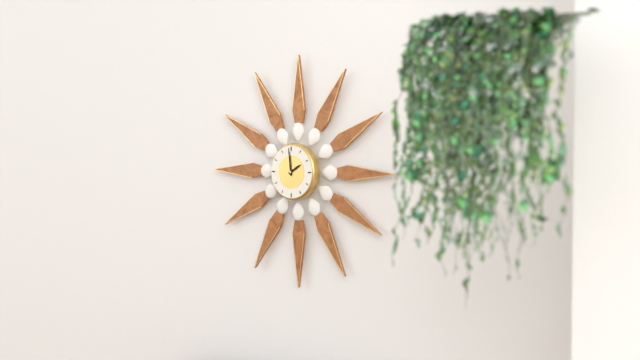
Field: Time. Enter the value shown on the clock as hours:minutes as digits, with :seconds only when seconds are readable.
1:59
